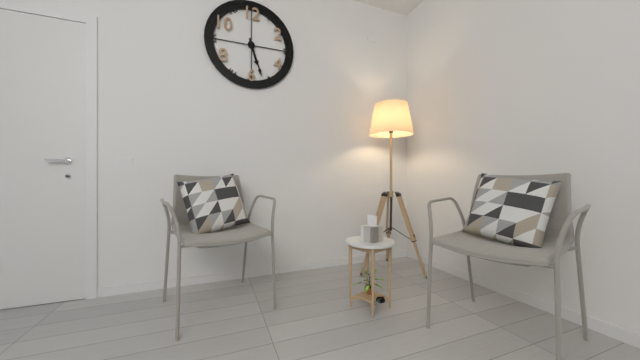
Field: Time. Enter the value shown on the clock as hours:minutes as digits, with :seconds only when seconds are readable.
5:27
